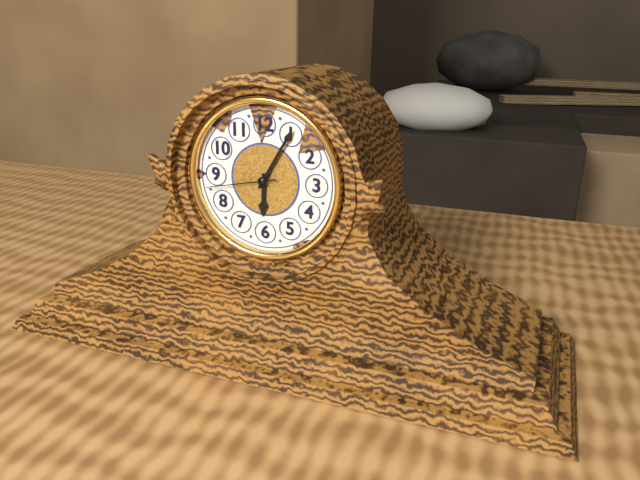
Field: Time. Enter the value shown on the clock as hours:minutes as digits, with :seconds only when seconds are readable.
6:05:43
